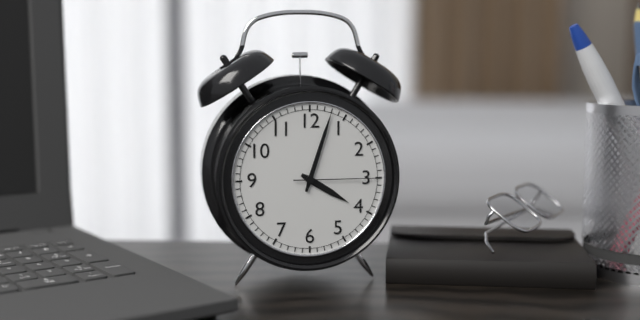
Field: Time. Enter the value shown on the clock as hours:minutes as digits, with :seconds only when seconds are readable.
4:03:15
